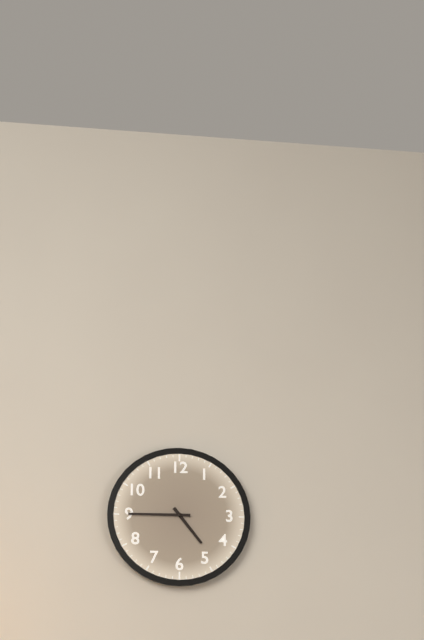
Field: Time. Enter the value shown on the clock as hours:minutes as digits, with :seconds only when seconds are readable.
4:45
